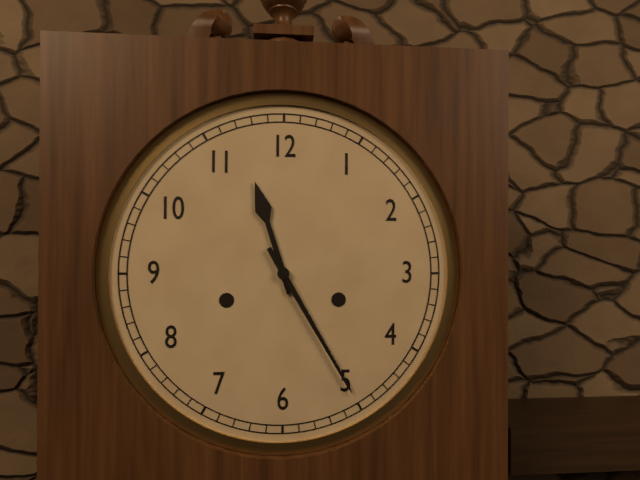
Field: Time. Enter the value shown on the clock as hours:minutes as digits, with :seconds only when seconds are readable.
11:25
